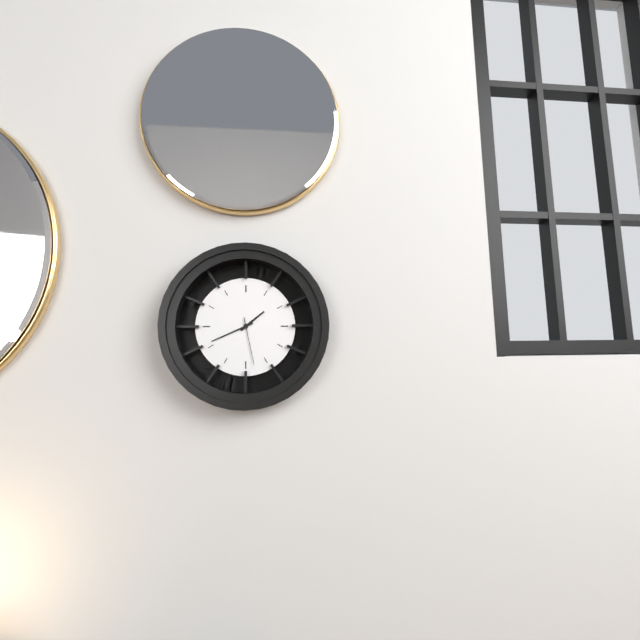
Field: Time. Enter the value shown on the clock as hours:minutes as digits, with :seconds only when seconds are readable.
1:41
